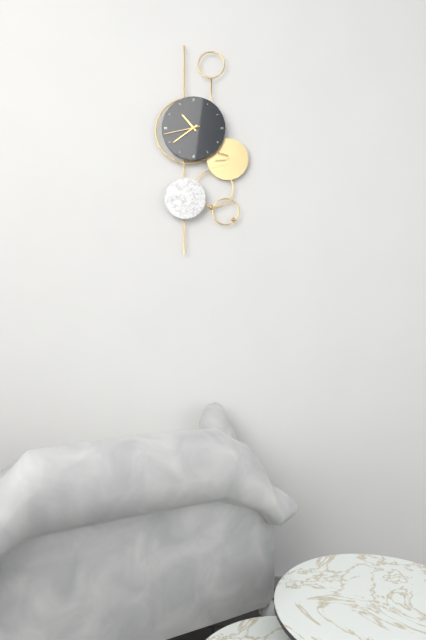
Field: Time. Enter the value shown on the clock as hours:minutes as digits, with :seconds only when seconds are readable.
10:39
